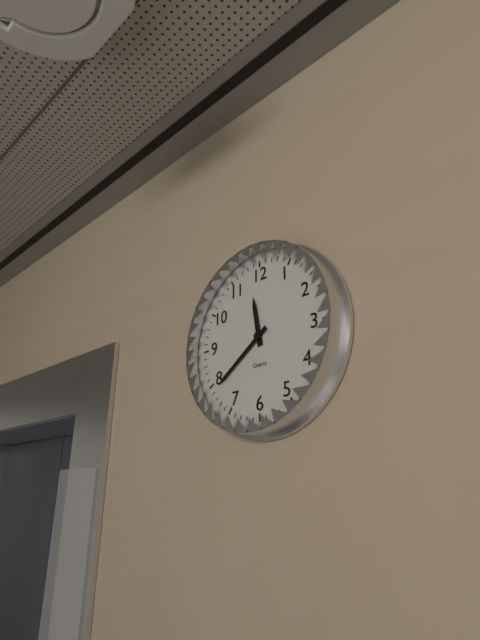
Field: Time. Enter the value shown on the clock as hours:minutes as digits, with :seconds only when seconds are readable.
11:39
